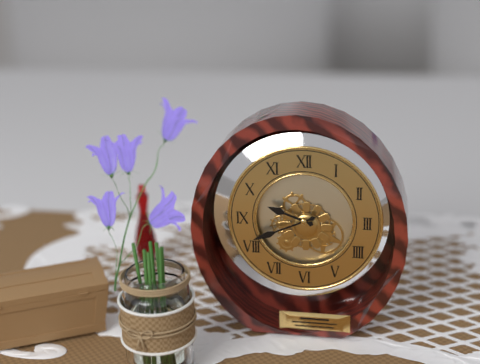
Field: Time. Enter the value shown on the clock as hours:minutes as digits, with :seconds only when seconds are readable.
9:41
